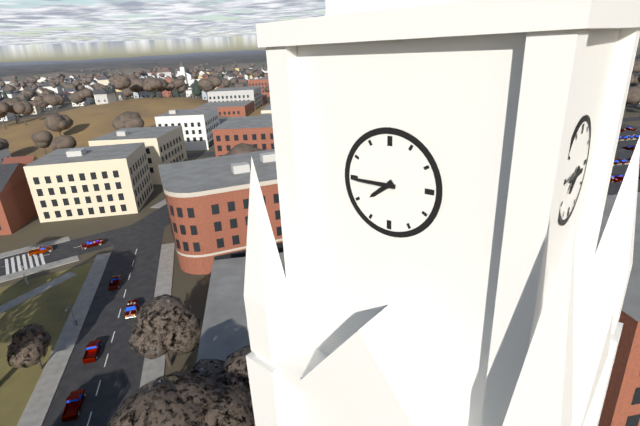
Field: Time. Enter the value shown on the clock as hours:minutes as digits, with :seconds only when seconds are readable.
7:45
